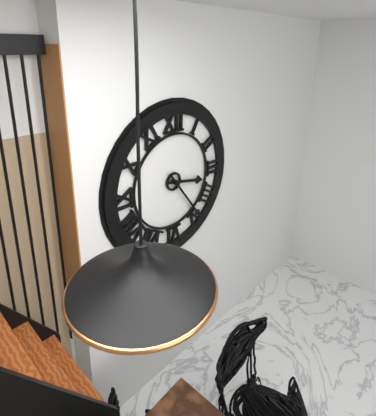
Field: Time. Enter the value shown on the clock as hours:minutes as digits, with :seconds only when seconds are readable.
3:24
